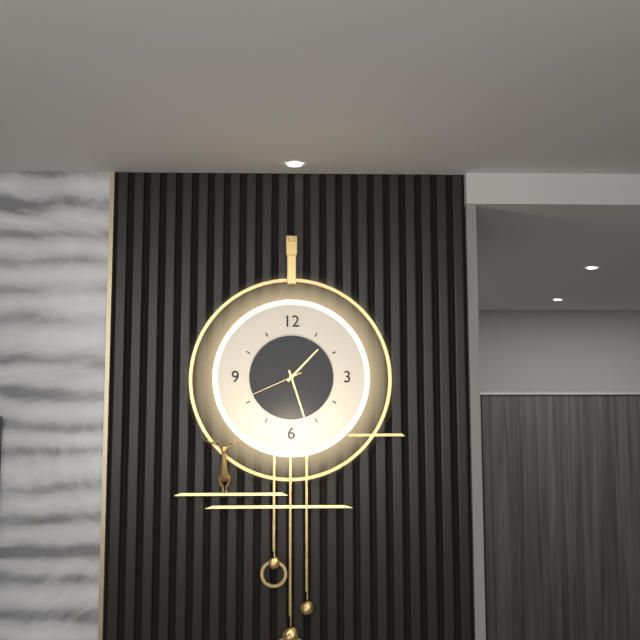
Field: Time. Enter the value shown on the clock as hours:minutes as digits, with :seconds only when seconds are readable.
1:27:41
